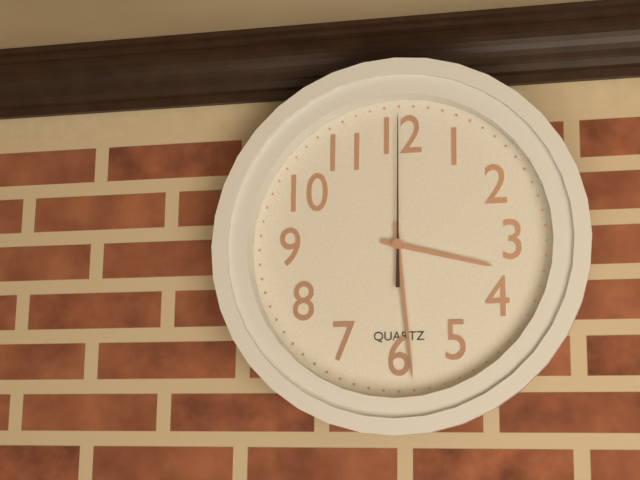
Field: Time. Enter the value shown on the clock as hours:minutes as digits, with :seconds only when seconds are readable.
3:29:00
